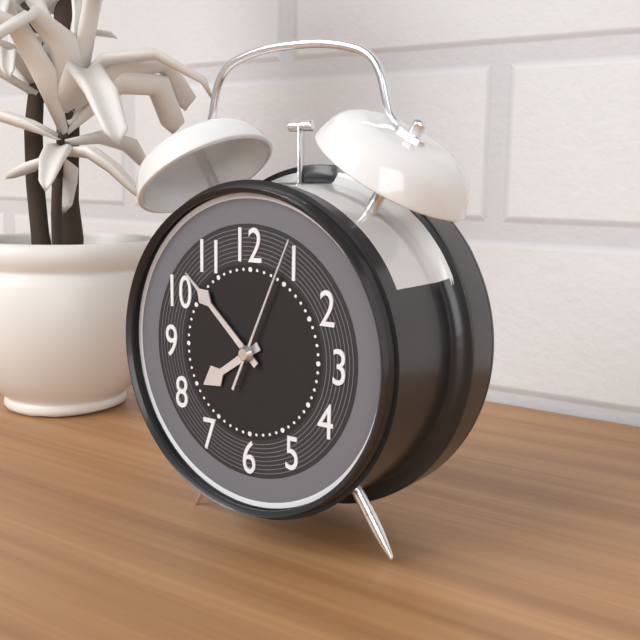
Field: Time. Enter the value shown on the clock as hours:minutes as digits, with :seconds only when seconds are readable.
7:52:04
